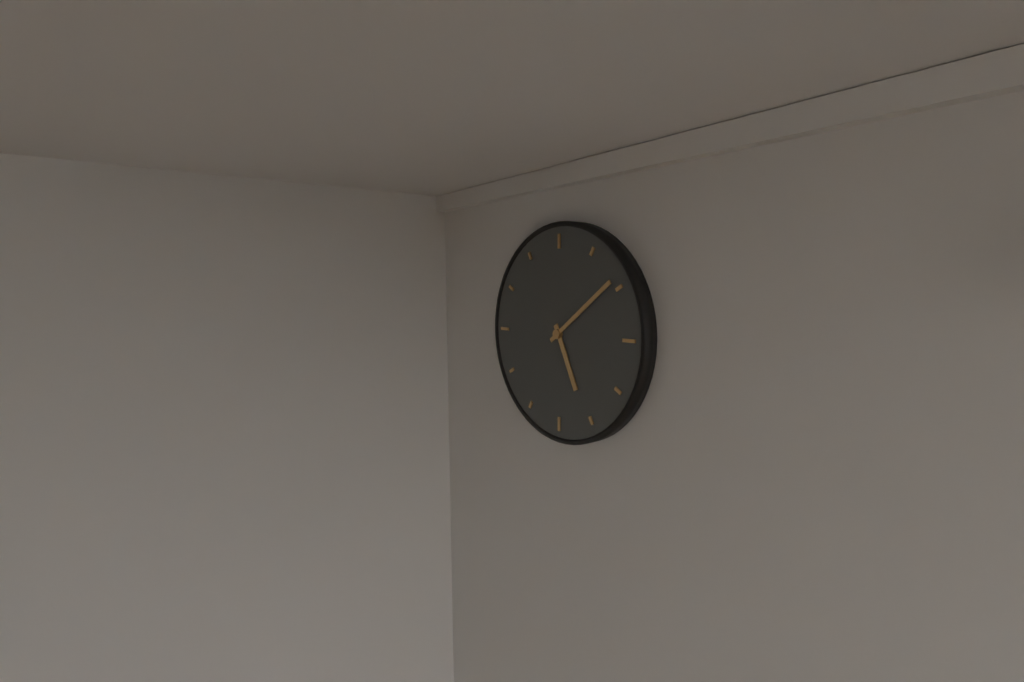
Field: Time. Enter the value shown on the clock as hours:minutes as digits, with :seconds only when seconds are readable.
5:09
